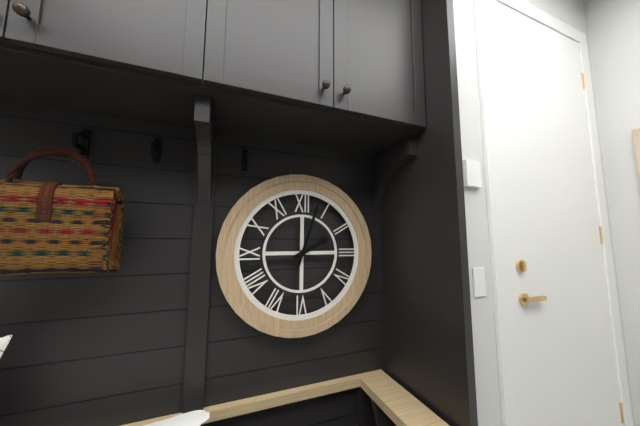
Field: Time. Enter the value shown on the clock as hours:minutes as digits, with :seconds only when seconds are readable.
2:03
